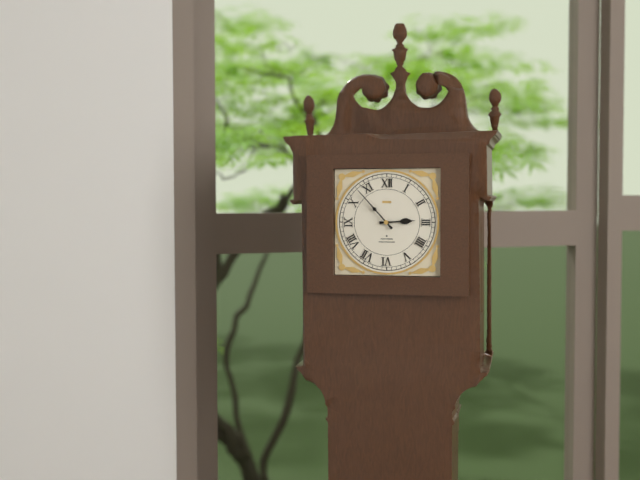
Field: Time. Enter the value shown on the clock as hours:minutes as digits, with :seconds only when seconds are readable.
2:53
